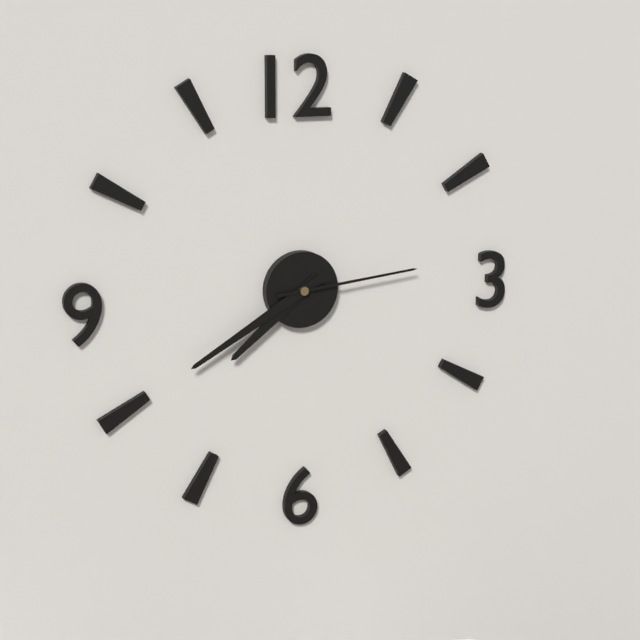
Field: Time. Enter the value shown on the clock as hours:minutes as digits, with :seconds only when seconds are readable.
7:40:14
